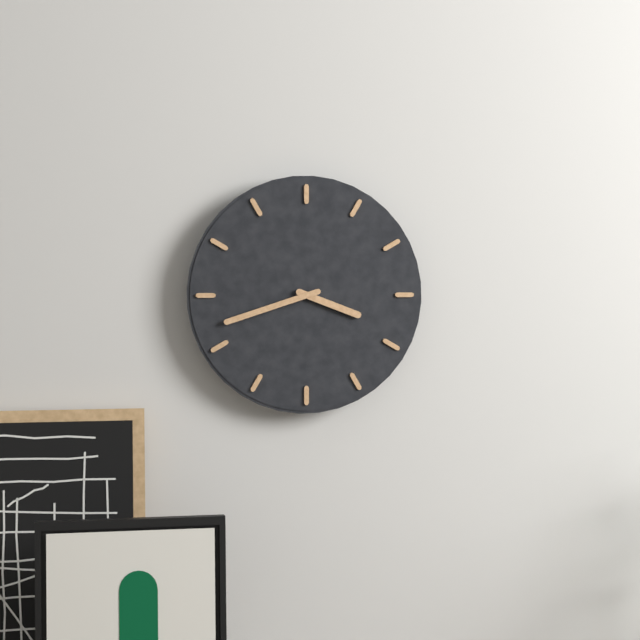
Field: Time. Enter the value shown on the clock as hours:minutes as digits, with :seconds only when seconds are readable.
3:42
